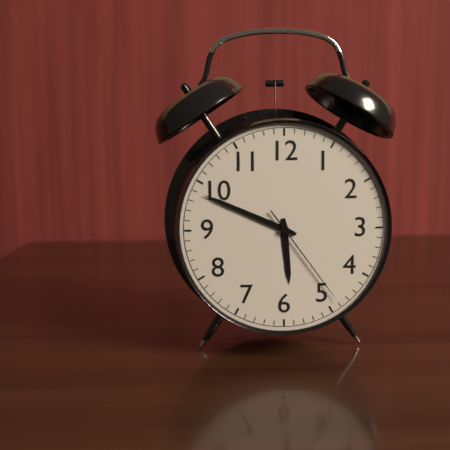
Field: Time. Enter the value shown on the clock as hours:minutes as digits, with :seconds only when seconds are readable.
5:49:24
